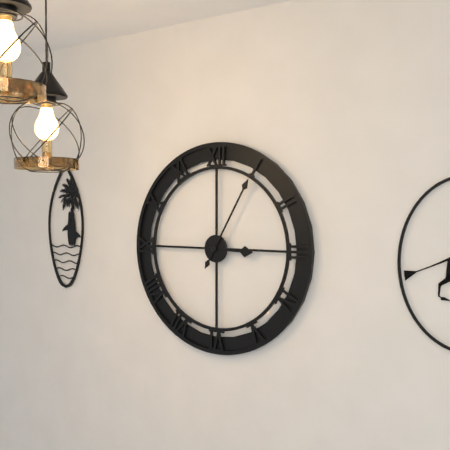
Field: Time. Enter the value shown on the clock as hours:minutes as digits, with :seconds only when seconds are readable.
3:05
